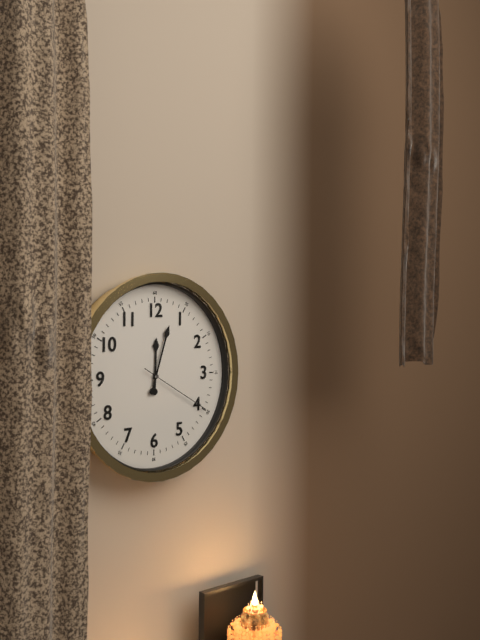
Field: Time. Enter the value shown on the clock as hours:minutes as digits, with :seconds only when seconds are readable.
12:03:20
